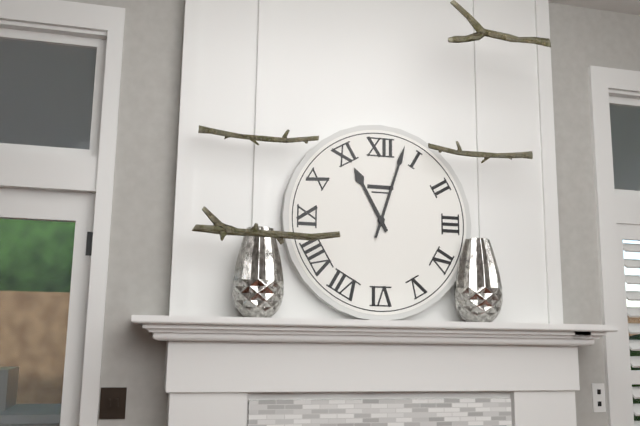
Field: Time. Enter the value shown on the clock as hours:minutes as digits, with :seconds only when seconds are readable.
11:03
